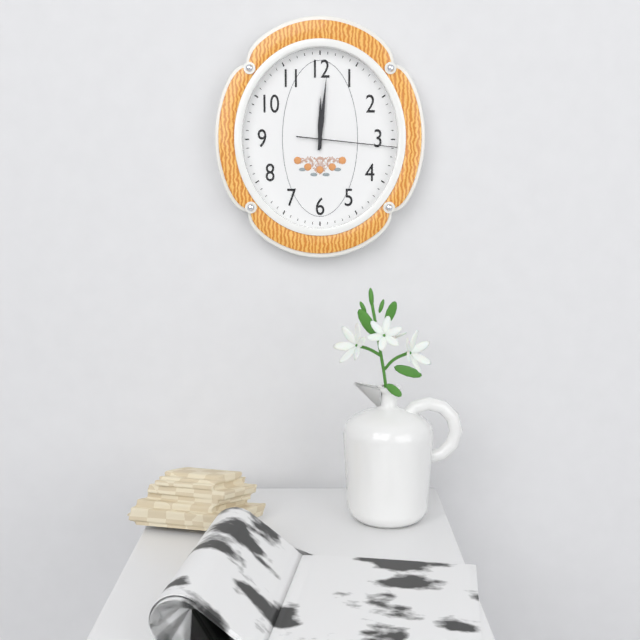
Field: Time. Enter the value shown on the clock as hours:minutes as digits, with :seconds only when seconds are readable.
12:01:16
